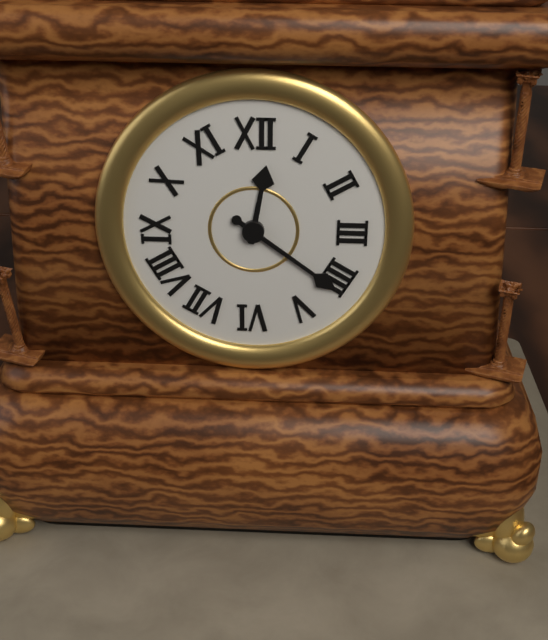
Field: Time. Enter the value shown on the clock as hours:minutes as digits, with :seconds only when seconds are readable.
12:21
